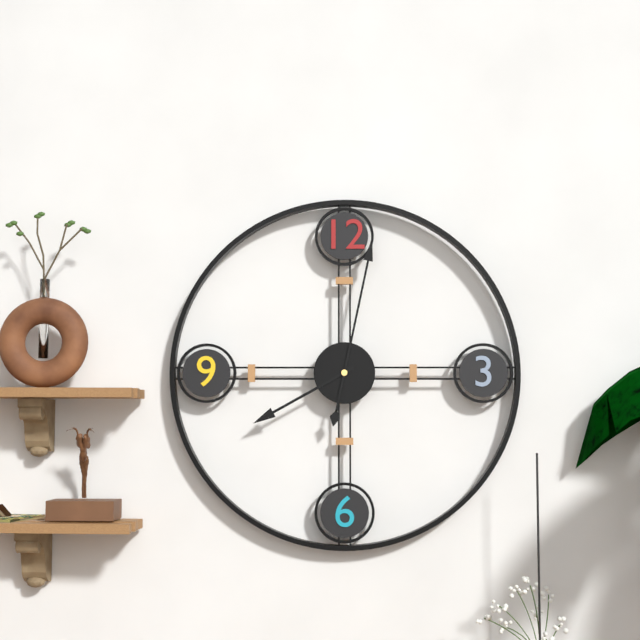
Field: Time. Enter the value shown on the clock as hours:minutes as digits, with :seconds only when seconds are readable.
8:02
